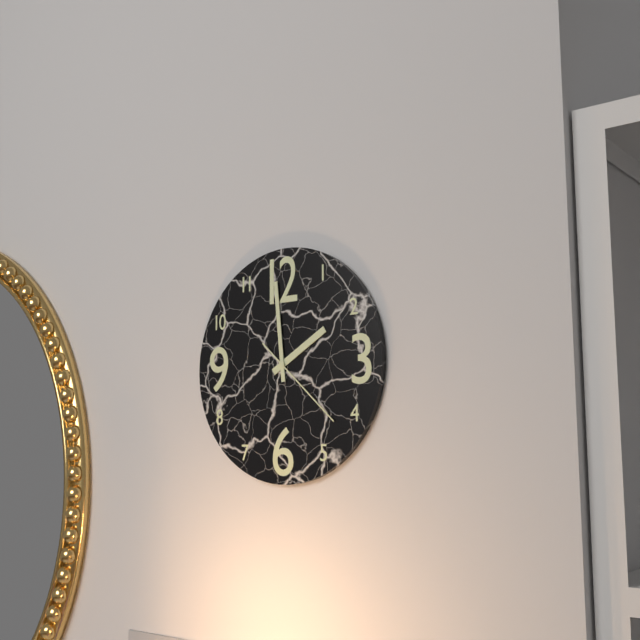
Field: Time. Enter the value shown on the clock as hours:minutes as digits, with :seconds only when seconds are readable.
1:59:22
